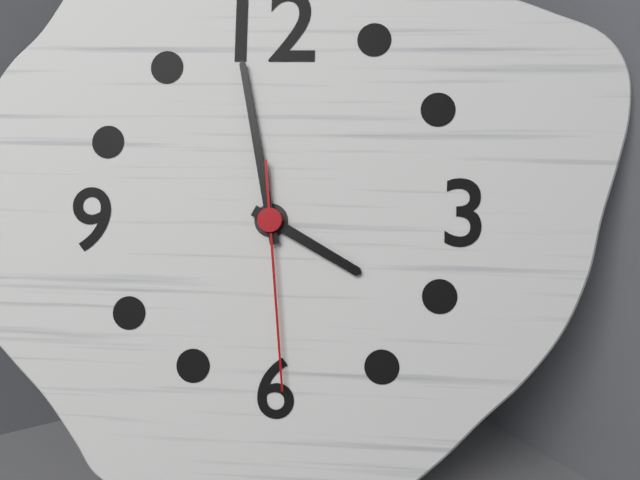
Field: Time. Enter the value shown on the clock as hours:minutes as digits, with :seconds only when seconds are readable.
3:58:29
